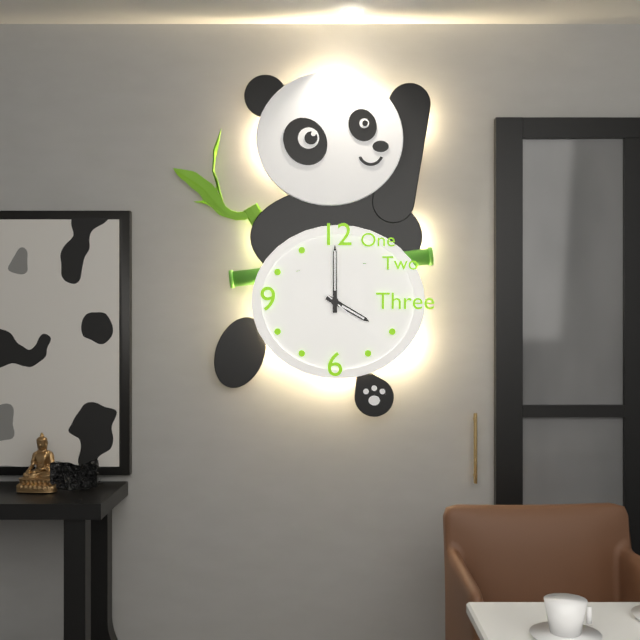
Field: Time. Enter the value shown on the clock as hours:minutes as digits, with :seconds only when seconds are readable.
4:00:22
